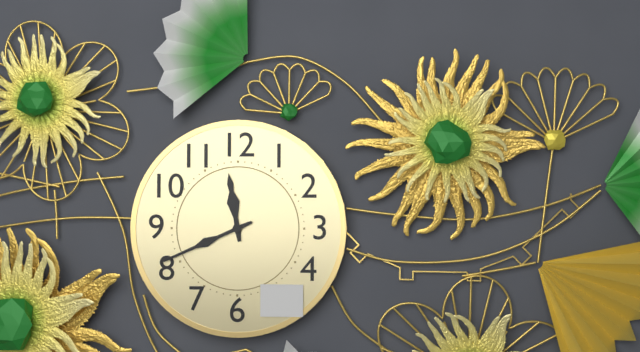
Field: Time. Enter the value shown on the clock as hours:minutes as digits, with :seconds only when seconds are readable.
11:41
